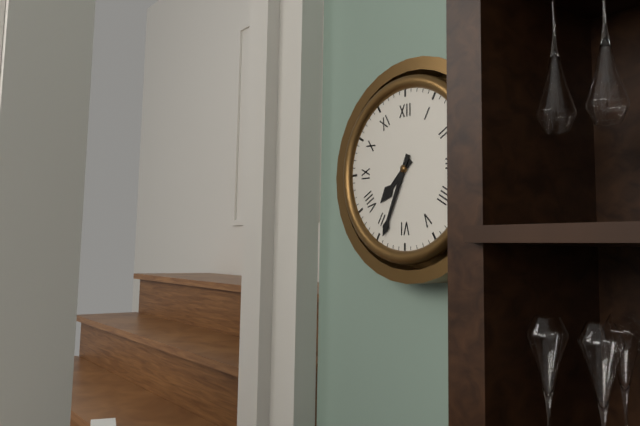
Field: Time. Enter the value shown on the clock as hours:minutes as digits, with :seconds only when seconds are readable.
7:34
